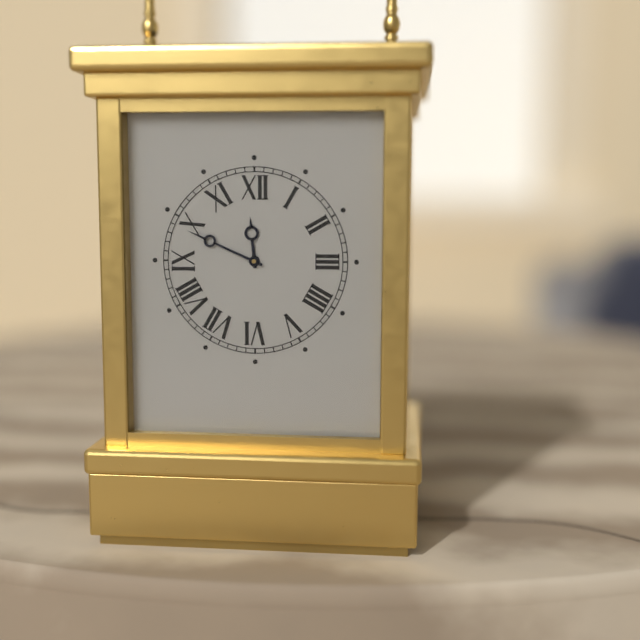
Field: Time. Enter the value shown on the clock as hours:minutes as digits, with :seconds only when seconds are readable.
11:49
